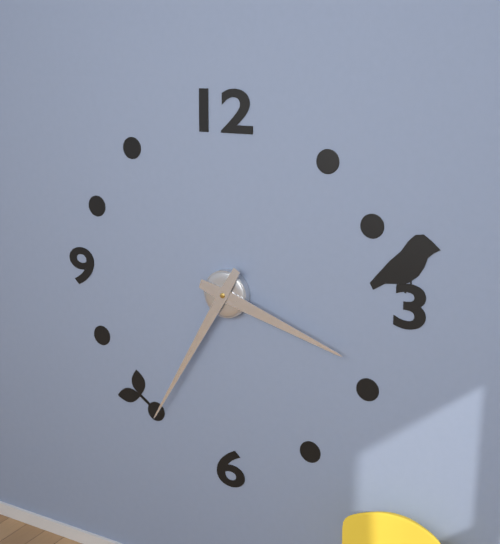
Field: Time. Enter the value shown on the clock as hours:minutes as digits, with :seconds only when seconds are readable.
3:35
